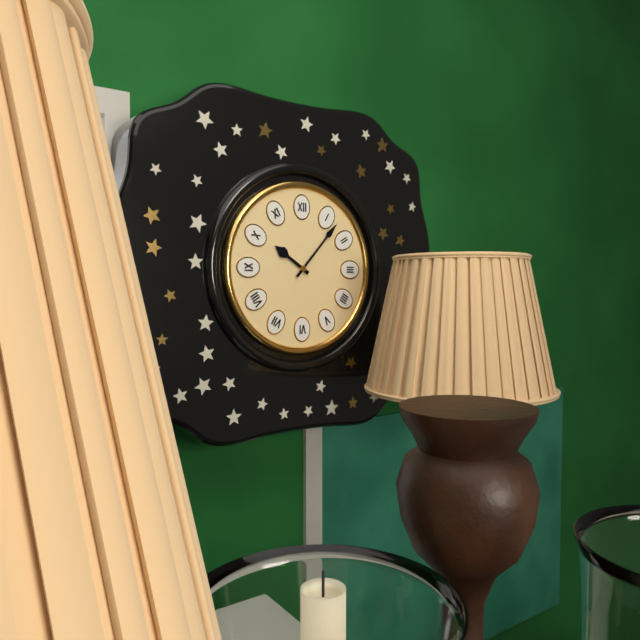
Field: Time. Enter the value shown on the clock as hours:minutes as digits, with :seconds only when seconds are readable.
10:07
